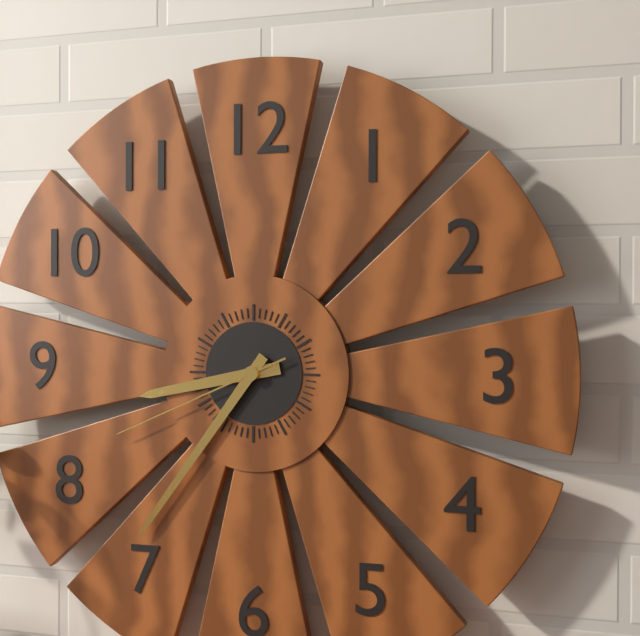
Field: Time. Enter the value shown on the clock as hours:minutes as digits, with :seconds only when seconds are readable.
8:36:41
